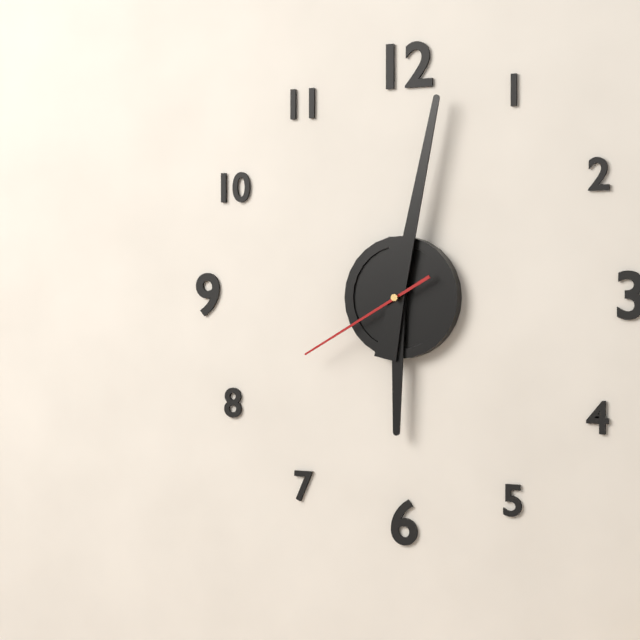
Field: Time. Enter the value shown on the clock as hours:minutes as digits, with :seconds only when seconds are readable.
6:02:40
